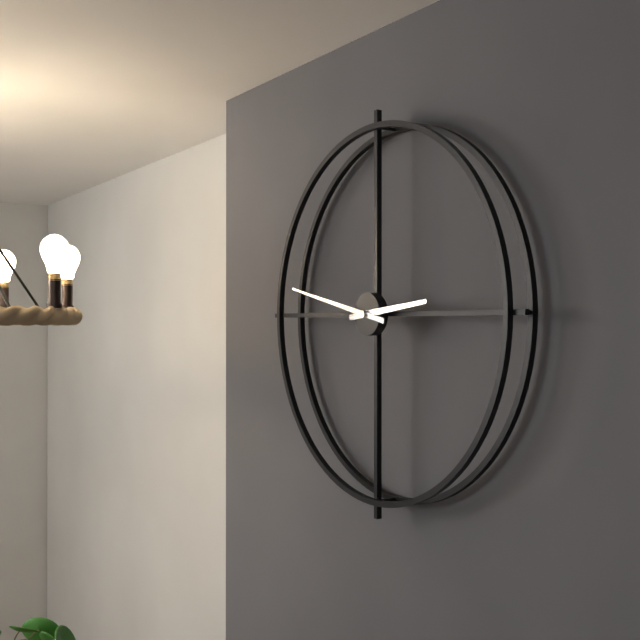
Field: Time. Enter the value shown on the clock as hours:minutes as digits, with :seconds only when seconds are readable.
2:47
